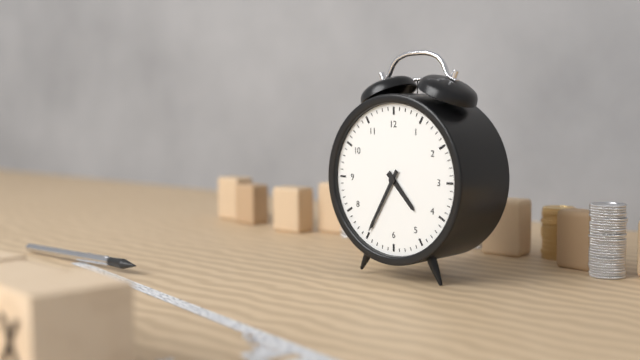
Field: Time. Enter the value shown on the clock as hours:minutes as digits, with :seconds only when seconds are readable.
4:35
